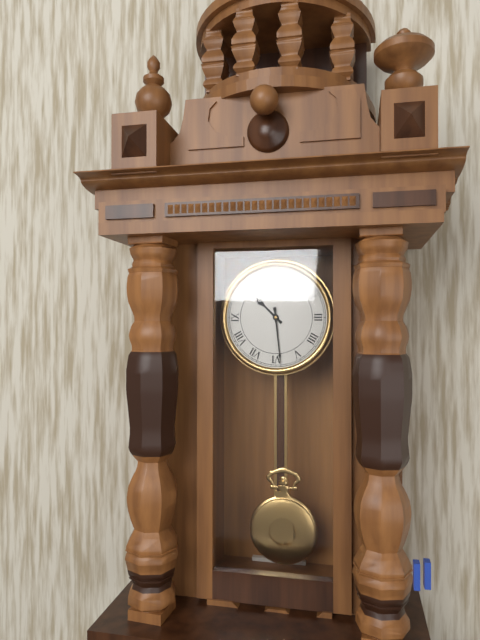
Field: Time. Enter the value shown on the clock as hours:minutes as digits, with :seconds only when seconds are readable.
10:29
